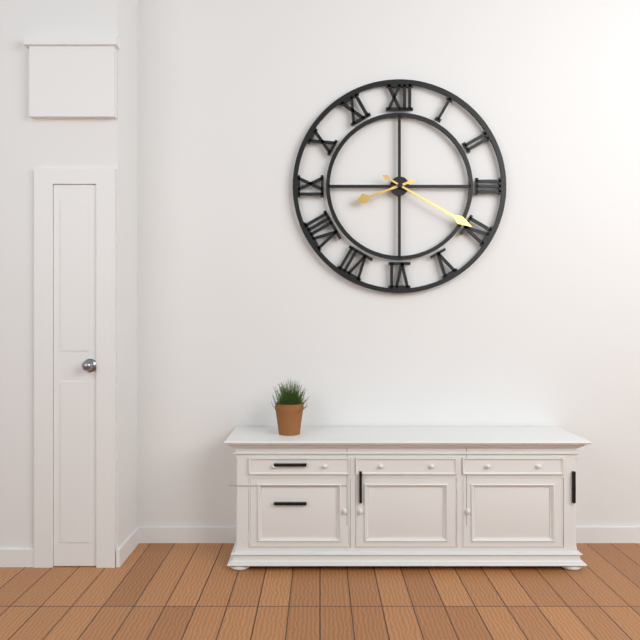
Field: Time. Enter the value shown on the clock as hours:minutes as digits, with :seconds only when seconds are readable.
8:20
